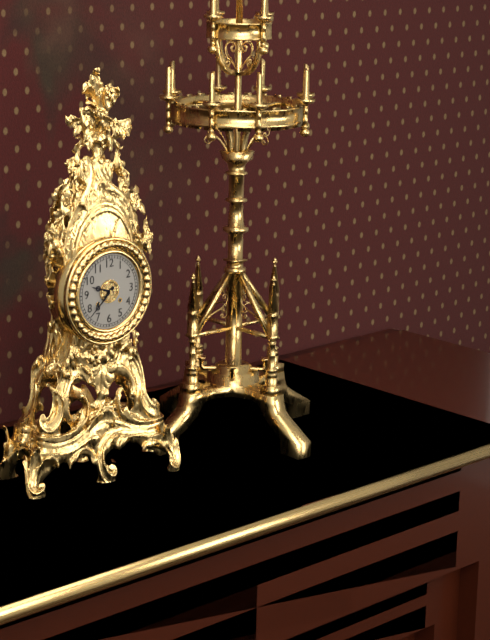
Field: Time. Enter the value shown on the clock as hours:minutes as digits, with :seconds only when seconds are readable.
9:38
